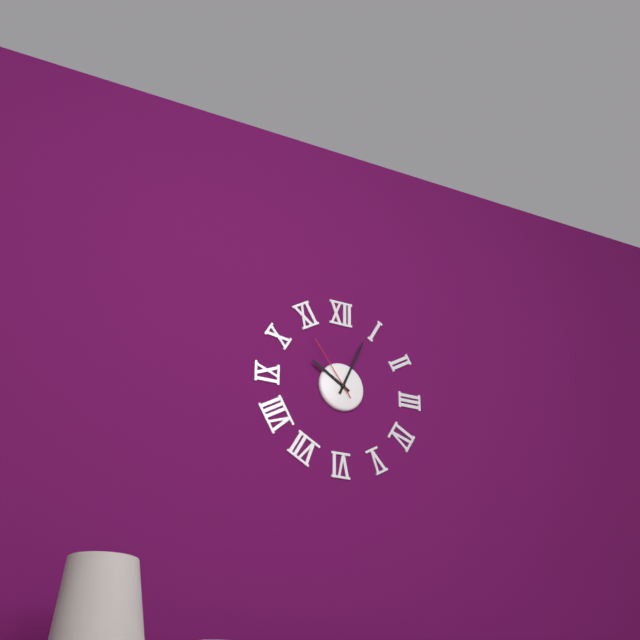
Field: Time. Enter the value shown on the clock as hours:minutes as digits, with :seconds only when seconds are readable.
10:04:54
